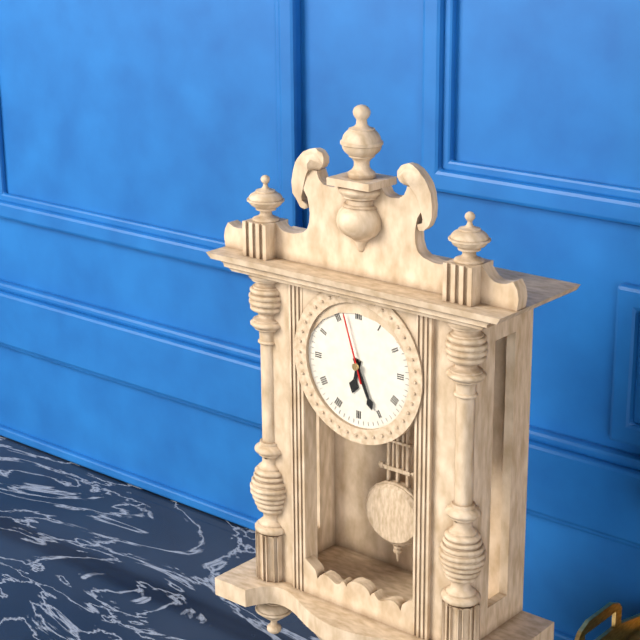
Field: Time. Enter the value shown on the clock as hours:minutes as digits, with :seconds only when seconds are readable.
6:26:57
